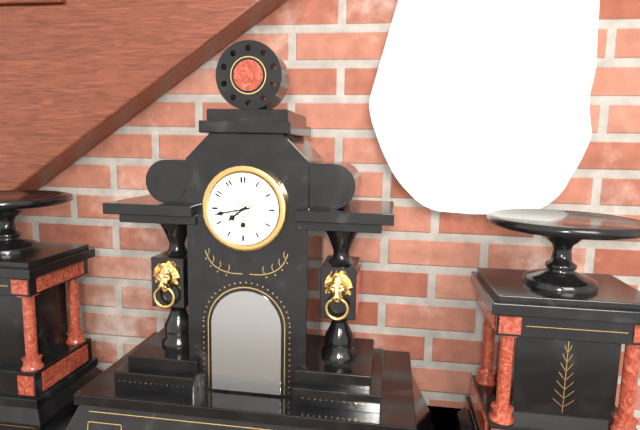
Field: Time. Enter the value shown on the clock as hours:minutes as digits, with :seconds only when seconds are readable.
7:43
